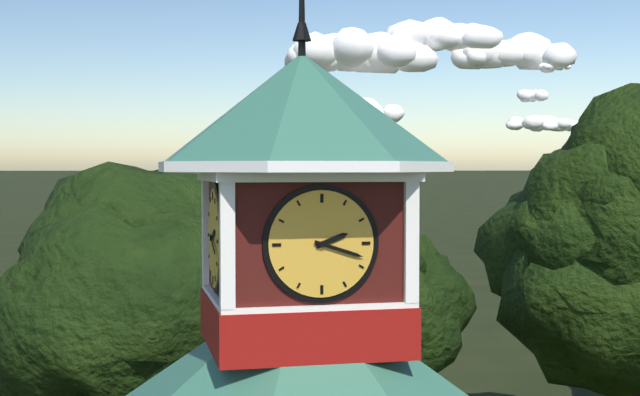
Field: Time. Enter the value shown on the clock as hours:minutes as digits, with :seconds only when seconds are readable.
2:18
